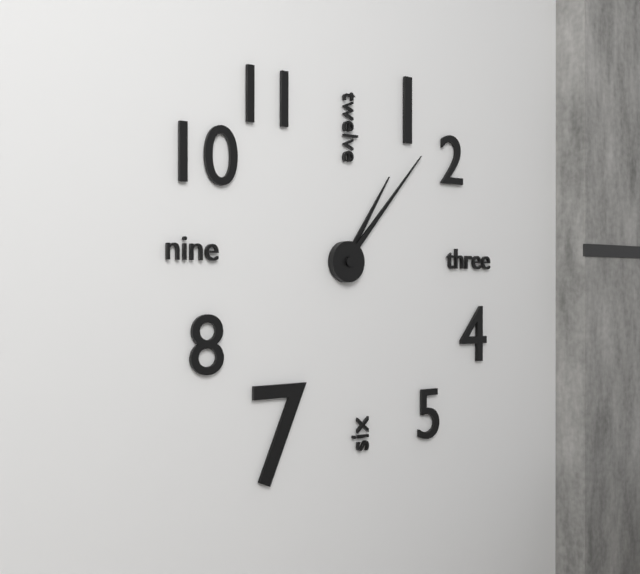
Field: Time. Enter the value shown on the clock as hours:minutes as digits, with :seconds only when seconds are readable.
1:07
